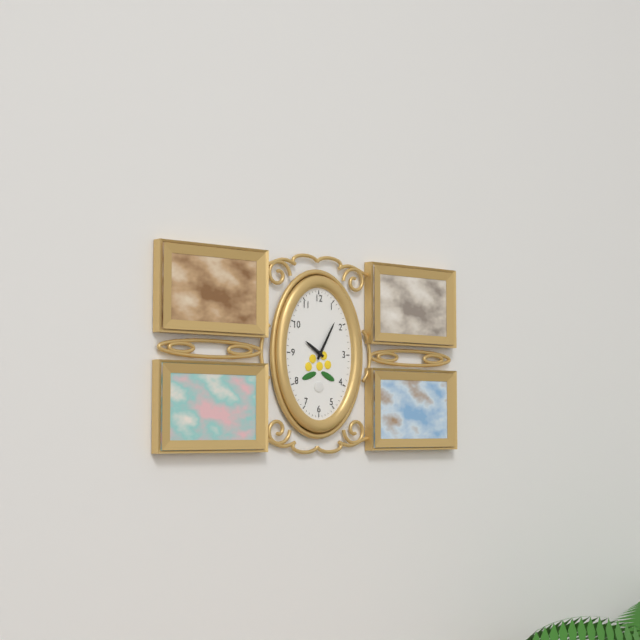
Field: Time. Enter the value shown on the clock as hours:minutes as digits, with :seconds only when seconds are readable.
10:05
